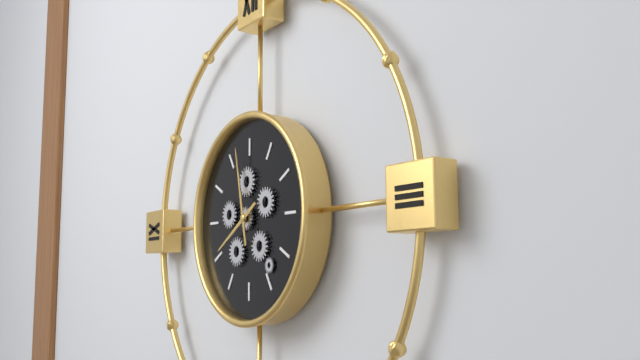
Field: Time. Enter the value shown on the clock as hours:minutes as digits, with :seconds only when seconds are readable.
7:58
